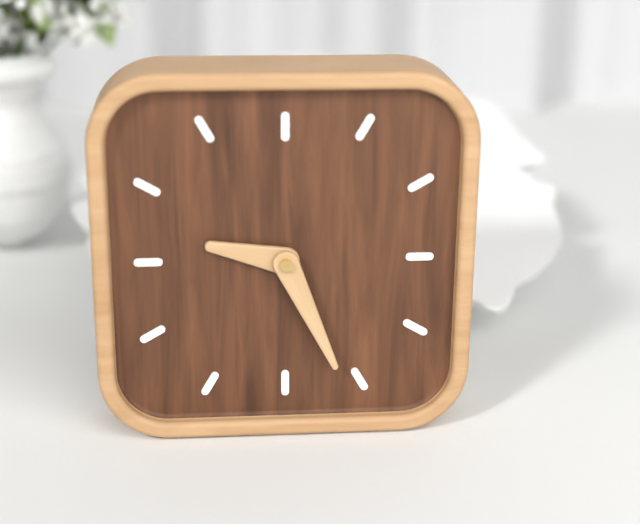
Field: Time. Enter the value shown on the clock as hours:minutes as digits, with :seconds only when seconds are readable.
9:26
